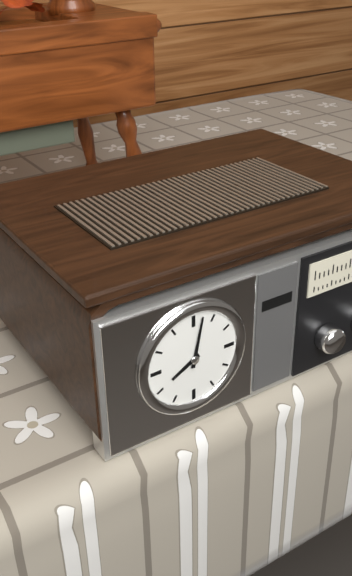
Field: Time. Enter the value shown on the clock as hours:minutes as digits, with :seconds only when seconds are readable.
8:02
